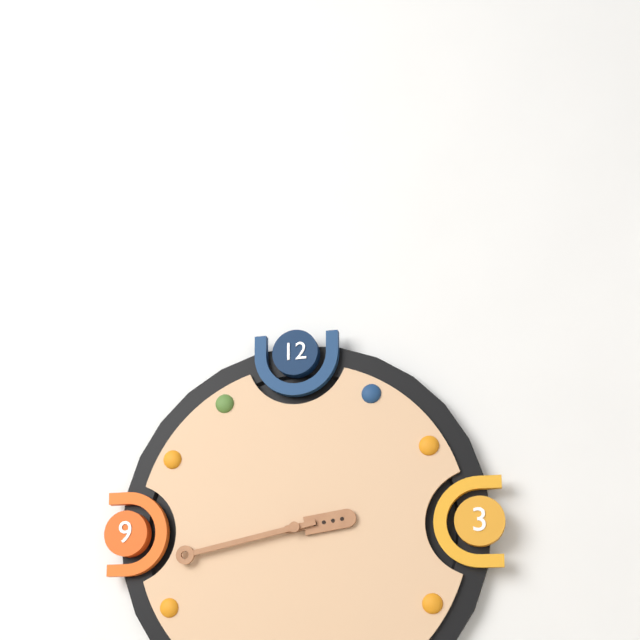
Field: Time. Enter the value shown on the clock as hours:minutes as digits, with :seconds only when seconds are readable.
2:43
